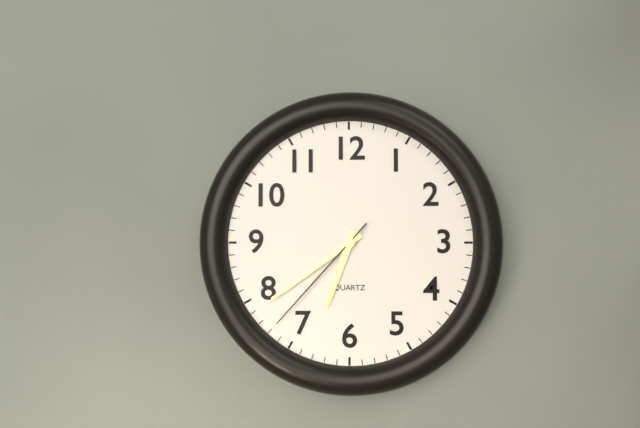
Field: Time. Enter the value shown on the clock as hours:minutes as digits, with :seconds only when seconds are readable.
6:39:37
